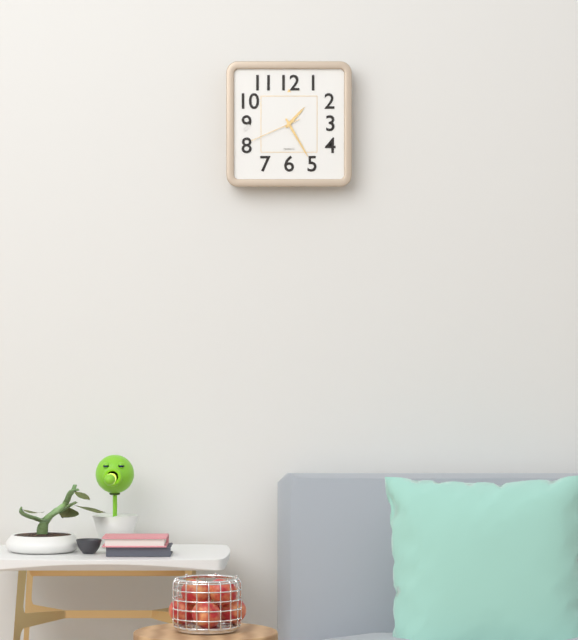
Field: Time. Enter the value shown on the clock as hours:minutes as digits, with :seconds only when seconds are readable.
1:25:41
